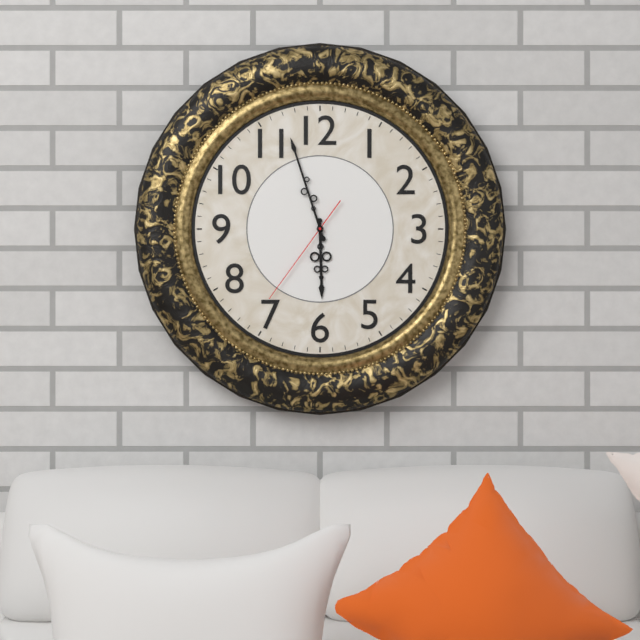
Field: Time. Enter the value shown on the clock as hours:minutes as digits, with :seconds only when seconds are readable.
5:57:36
